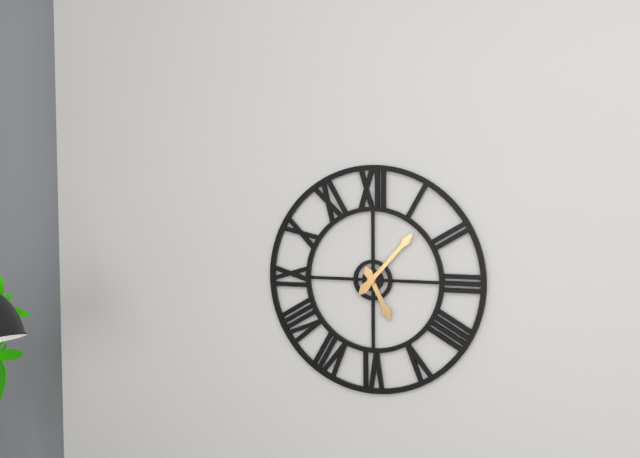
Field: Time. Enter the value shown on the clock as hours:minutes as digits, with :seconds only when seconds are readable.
5:07
